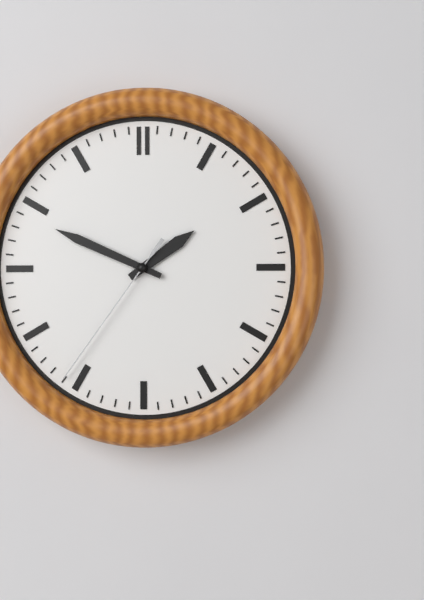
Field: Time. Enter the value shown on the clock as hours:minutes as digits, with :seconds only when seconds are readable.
1:49:36
